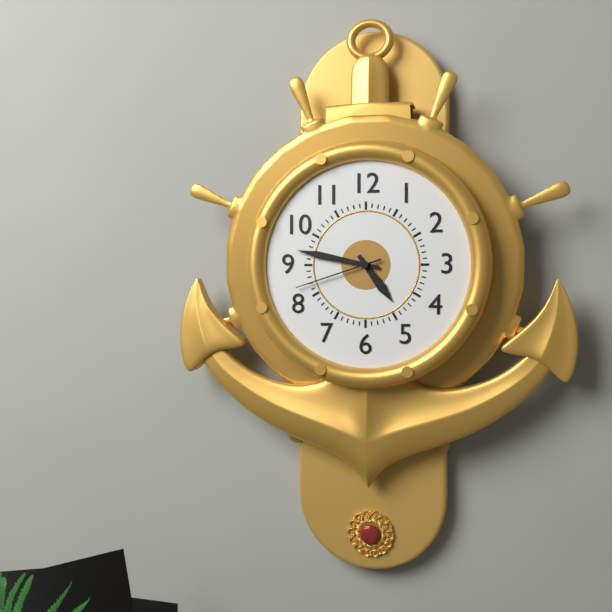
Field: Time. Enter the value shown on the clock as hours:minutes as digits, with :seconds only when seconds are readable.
4:47:42
